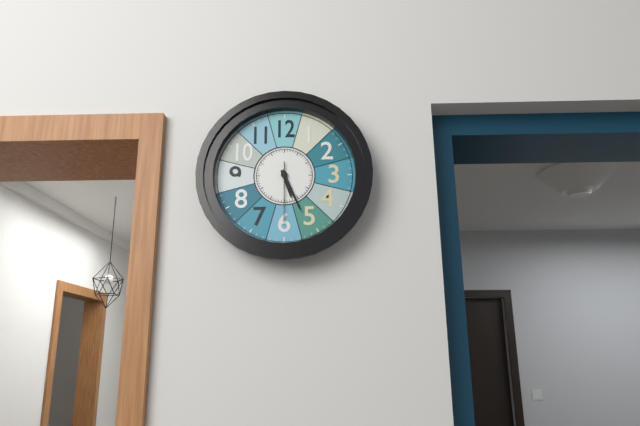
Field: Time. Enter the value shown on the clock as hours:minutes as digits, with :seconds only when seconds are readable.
5:26:30
